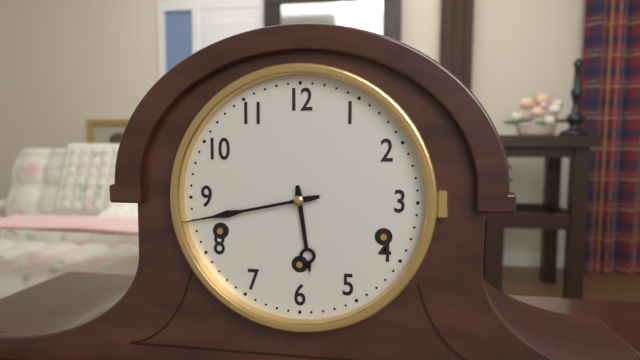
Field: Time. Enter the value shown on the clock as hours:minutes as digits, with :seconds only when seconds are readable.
5:43
